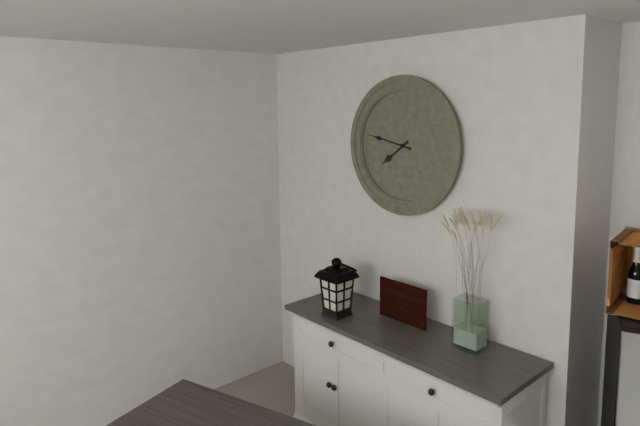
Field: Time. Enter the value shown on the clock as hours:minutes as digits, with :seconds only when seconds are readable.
7:47
